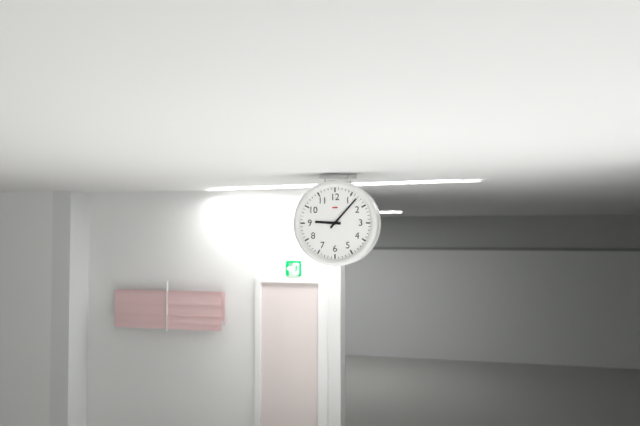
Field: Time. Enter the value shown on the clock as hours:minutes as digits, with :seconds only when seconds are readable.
9:07
